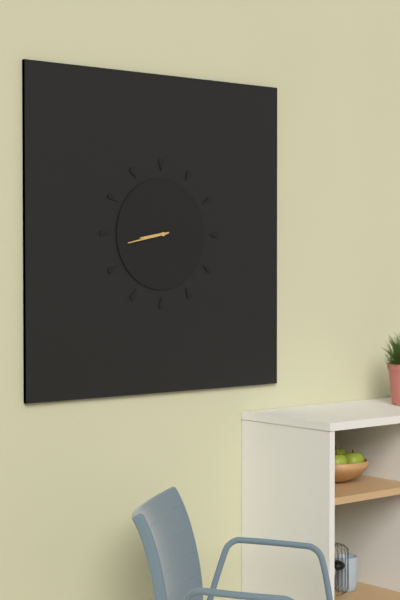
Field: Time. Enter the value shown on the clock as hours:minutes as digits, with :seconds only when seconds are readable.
8:43
